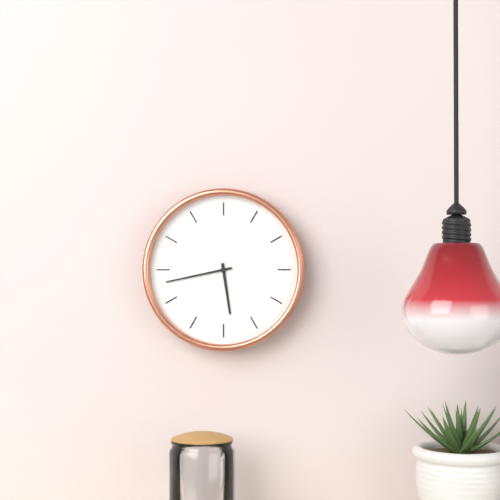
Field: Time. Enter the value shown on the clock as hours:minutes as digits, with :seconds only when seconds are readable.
5:43
